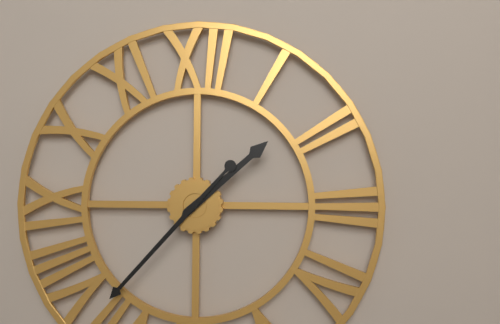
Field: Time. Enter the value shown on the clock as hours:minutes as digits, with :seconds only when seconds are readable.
1:37
